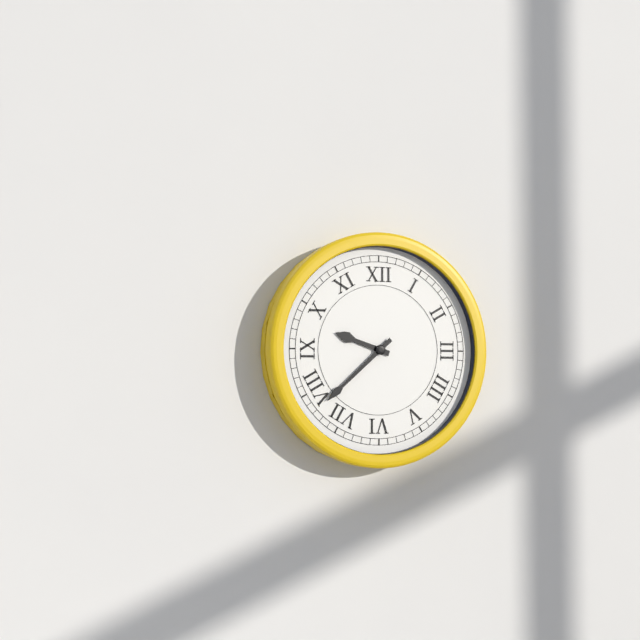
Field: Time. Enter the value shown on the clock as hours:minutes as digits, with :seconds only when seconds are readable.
9:38
